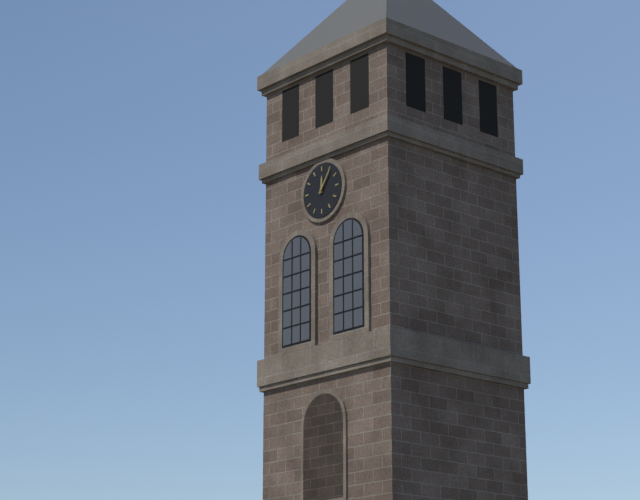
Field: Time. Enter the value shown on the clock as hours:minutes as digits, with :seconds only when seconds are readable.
12:06
